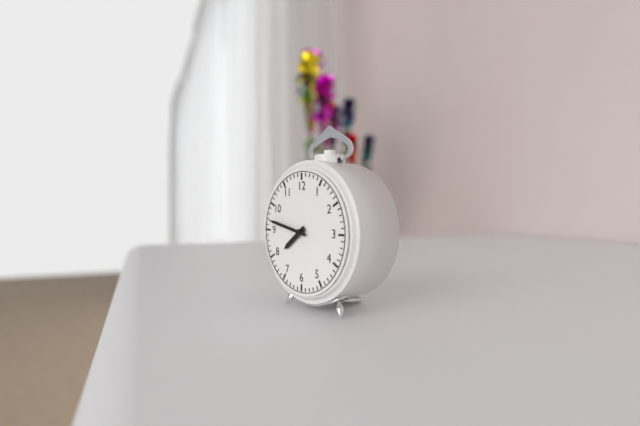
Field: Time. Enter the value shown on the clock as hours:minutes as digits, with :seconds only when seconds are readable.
7:47
